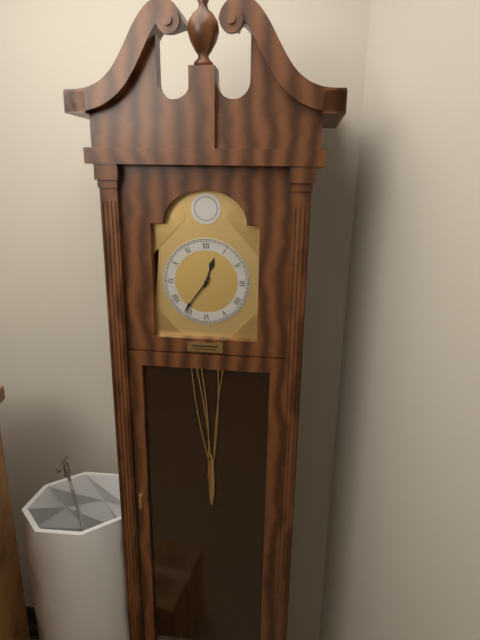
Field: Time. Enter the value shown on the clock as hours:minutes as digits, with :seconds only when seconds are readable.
12:36
